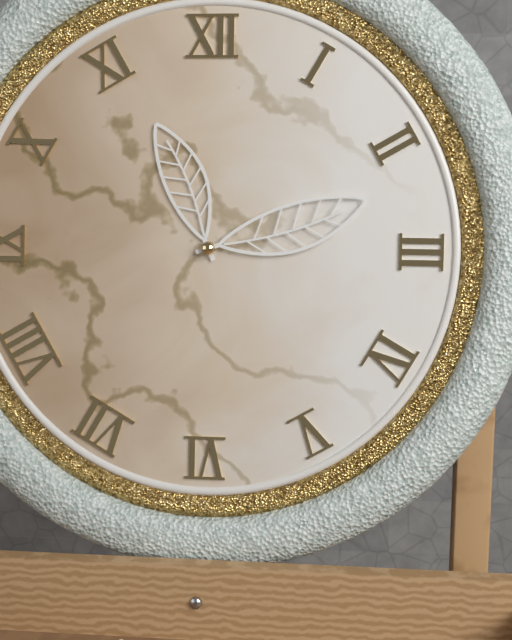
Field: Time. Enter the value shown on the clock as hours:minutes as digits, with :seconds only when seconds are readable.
11:12
